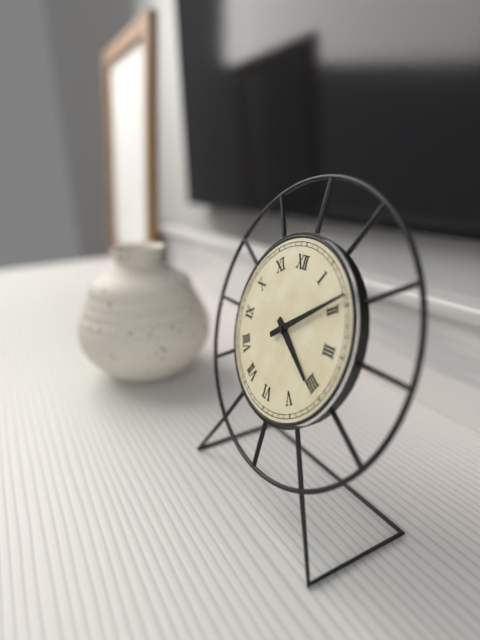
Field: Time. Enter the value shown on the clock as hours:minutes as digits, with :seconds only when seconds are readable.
4:09
